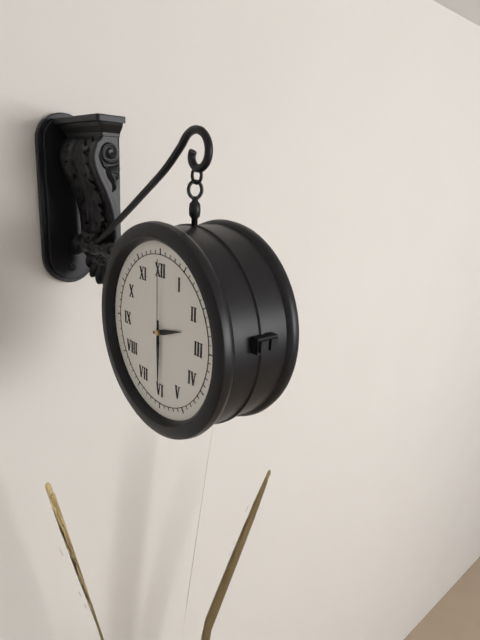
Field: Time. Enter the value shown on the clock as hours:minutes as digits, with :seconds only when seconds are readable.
2:30:00
